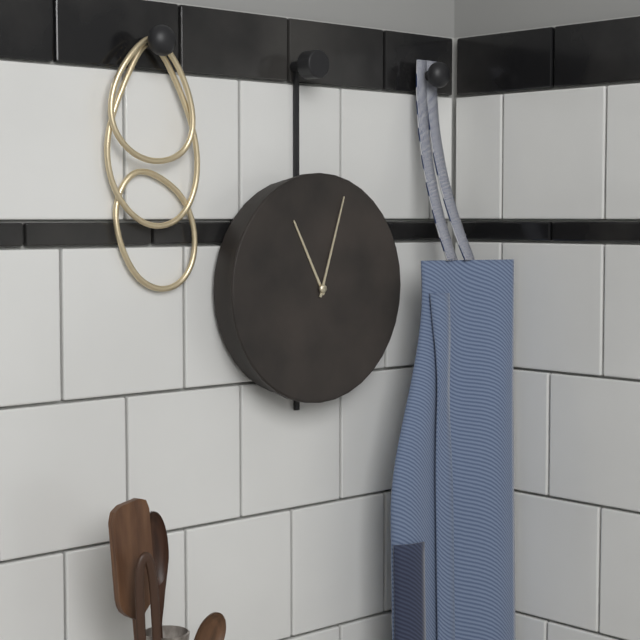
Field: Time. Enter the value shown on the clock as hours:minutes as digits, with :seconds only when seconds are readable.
11:03
